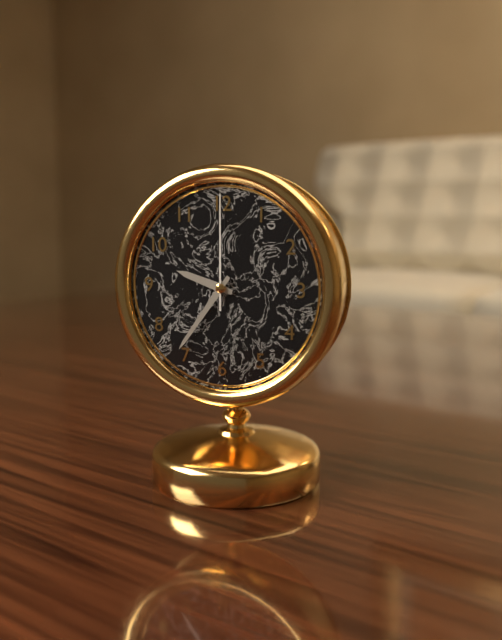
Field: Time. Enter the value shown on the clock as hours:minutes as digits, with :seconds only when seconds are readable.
9:36:00
